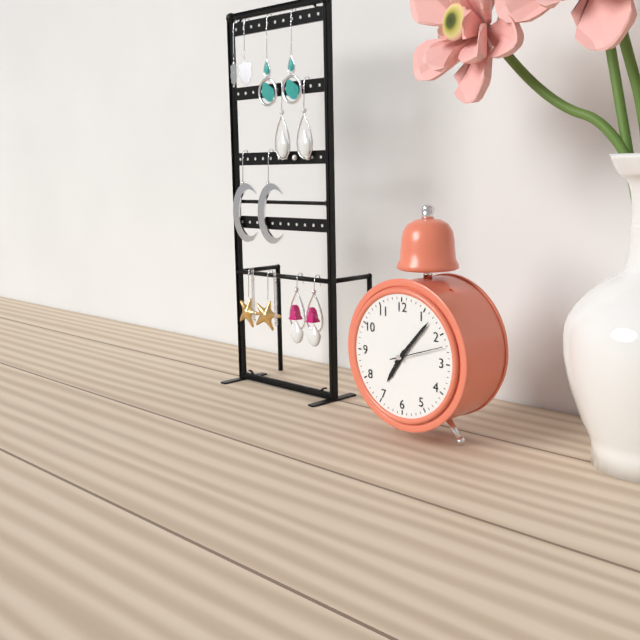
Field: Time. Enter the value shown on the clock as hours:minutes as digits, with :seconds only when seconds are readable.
7:07:12
